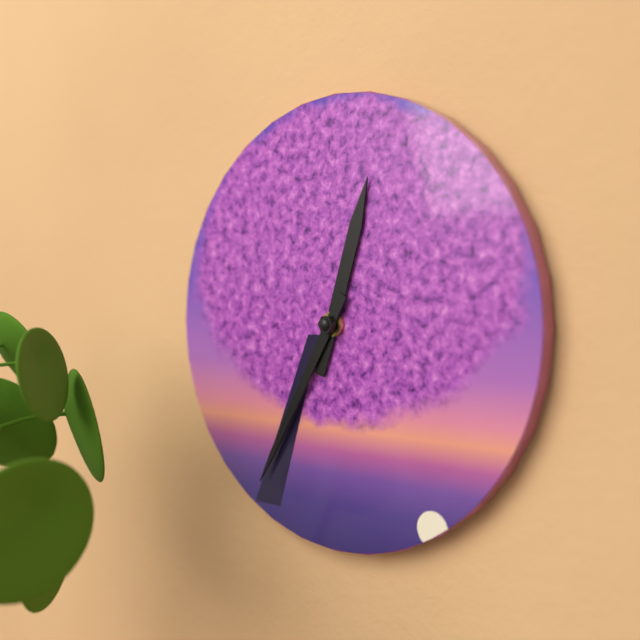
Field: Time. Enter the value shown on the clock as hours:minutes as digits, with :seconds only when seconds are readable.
12:35
